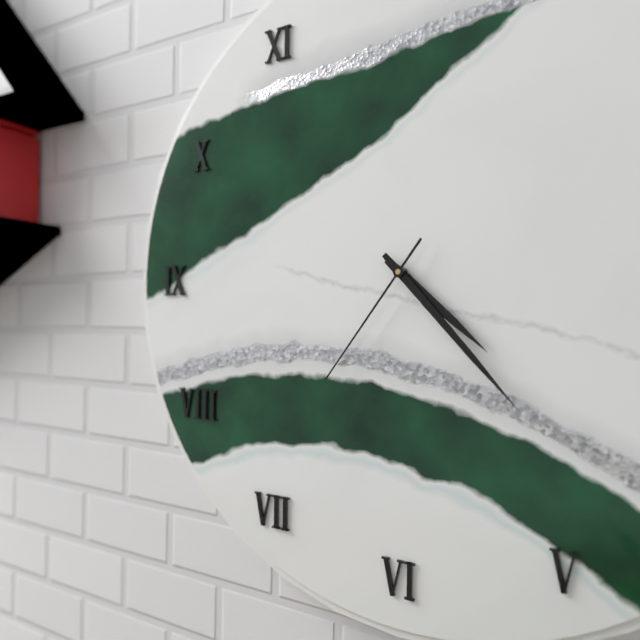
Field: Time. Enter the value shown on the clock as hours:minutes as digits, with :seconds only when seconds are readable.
4:23:36
